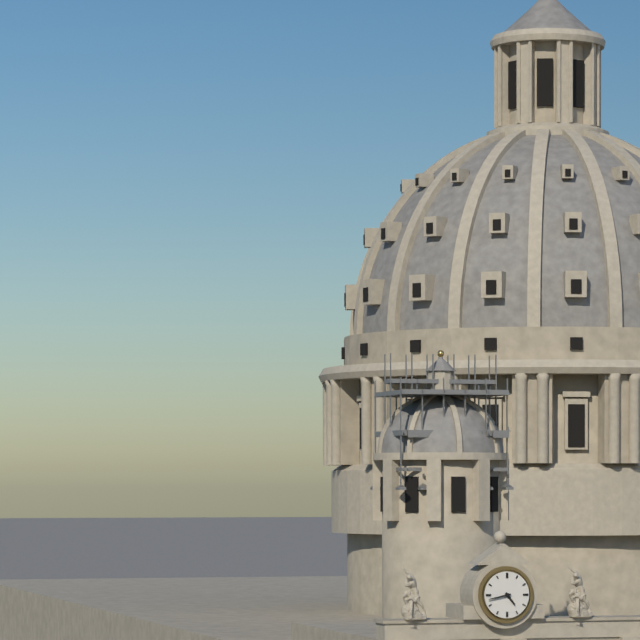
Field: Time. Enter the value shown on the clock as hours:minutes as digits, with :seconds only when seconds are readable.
4:43
